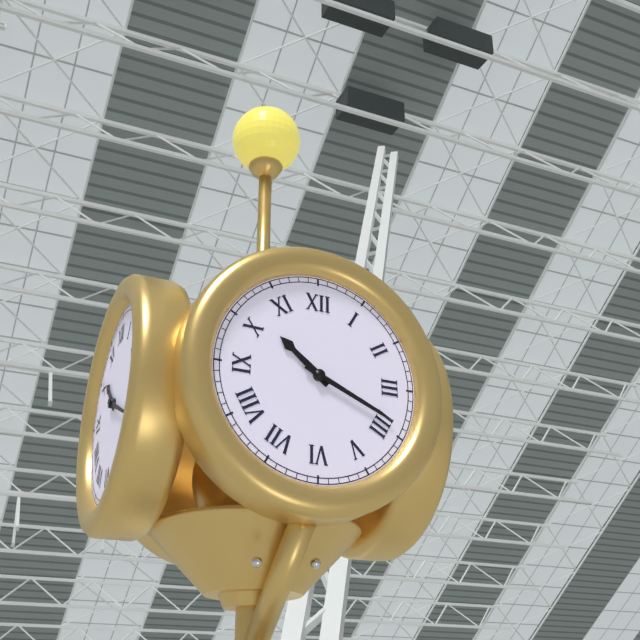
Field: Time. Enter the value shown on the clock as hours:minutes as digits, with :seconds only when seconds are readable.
10:19
